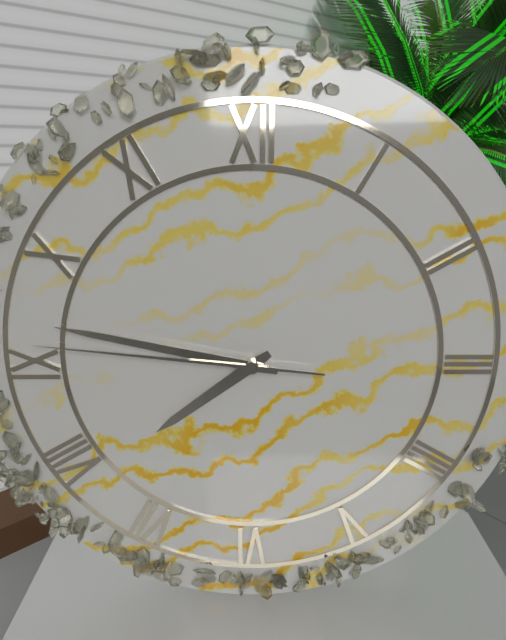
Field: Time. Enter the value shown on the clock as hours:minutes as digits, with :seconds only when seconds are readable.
7:47:46
